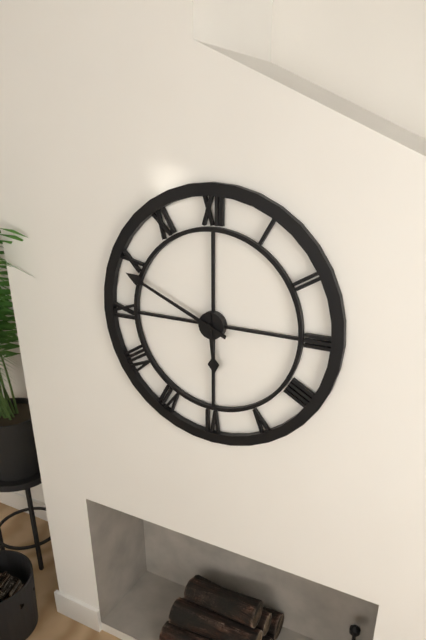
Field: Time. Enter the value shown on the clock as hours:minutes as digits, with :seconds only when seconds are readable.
5:49
